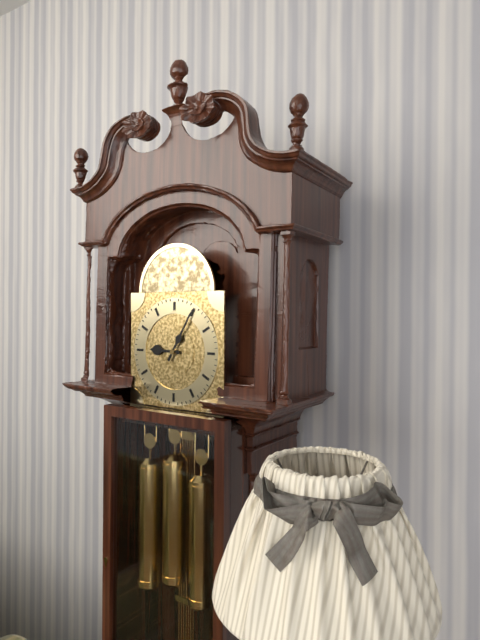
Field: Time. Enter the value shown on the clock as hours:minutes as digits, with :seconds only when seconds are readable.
9:05
